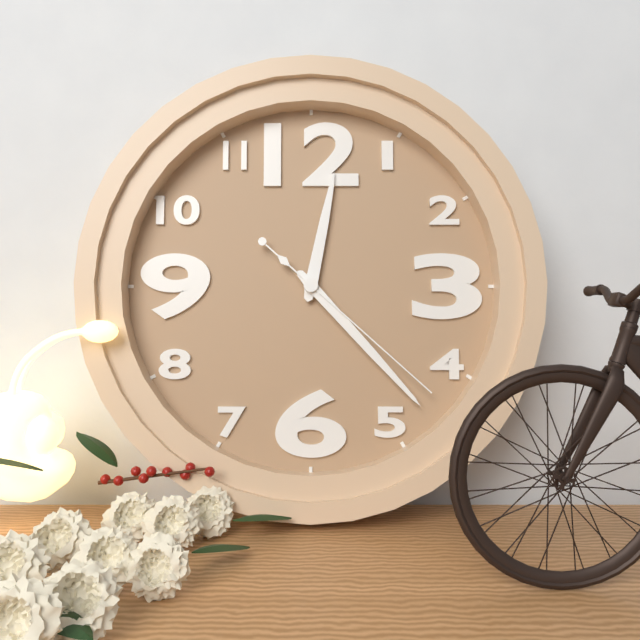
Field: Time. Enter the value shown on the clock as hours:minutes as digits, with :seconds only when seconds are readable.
12:23:22
